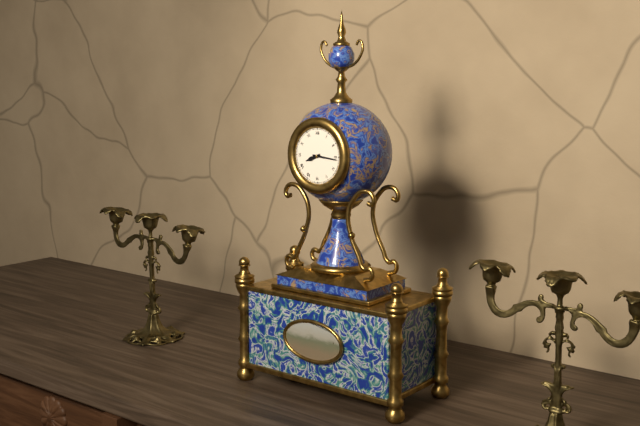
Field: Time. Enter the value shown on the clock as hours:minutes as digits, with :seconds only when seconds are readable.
8:16
